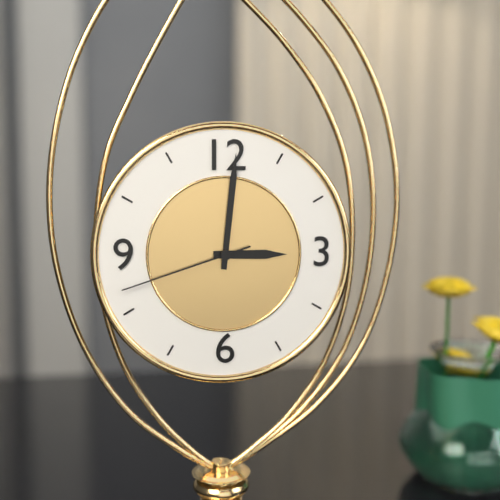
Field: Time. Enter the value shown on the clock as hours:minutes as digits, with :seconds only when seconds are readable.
3:01:42
